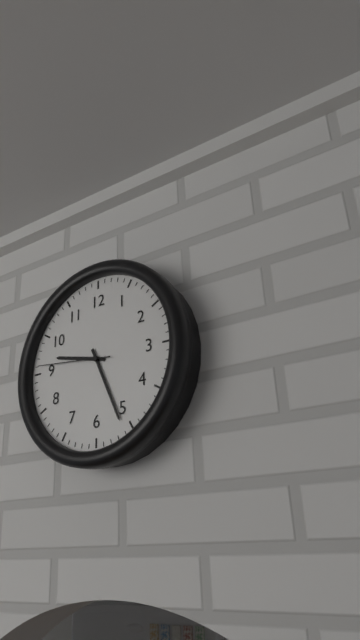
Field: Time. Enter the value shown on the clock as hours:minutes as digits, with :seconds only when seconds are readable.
9:26:46
